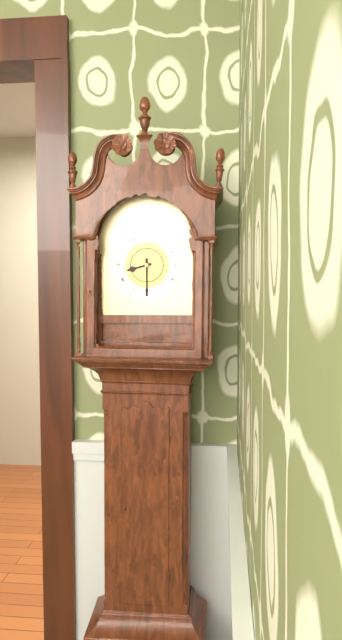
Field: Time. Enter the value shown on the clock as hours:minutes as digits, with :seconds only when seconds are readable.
8:30
